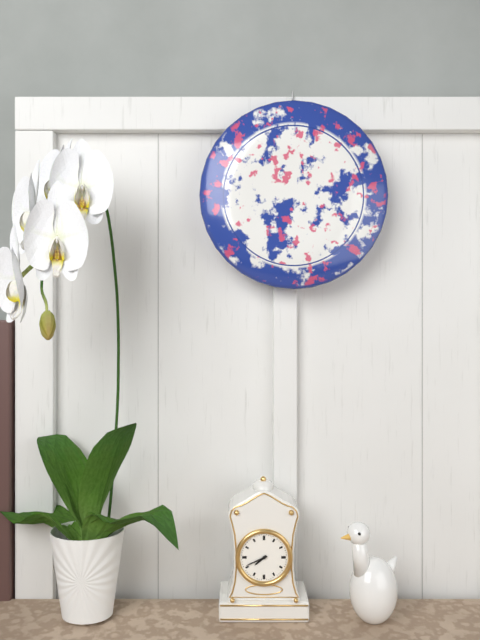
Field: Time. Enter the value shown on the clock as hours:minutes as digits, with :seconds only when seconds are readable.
7:41
